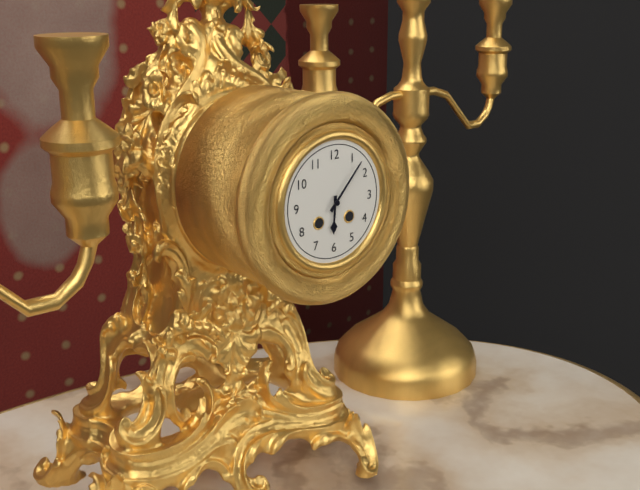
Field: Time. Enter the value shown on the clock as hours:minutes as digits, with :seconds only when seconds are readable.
6:07
